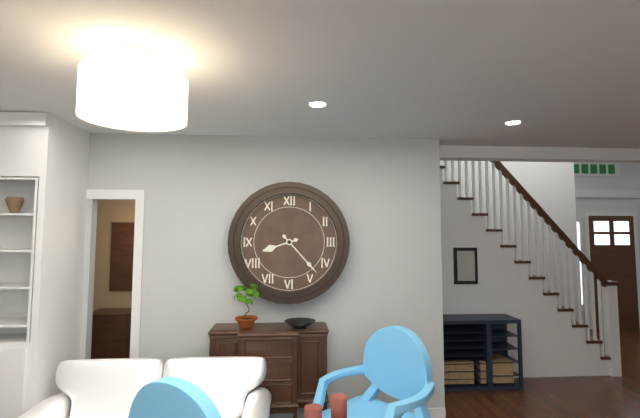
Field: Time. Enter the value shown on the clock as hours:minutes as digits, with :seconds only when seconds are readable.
8:23
